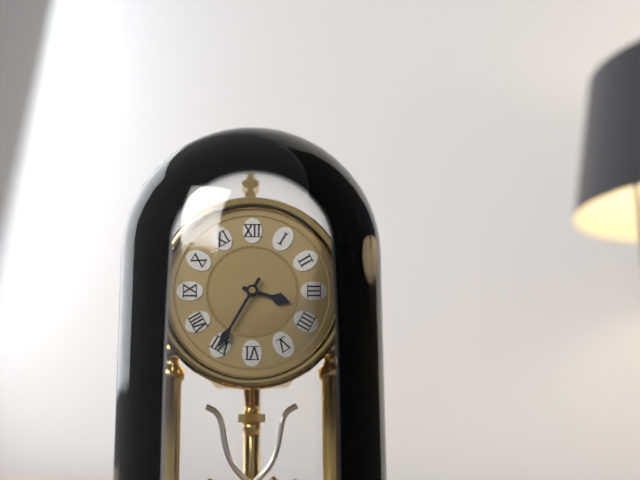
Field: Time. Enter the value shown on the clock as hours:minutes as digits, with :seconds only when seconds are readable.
3:35
